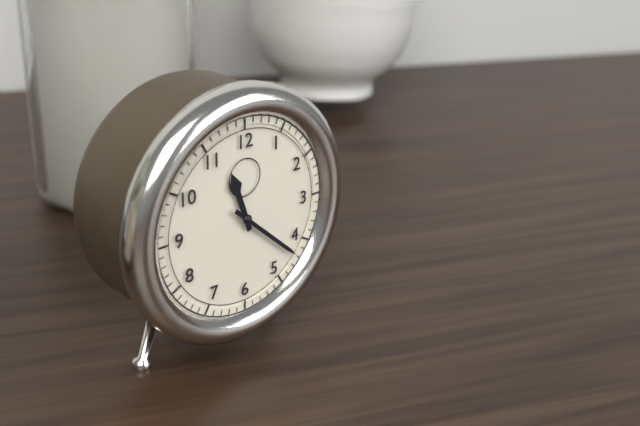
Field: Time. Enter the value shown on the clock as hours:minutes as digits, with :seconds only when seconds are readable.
11:22
